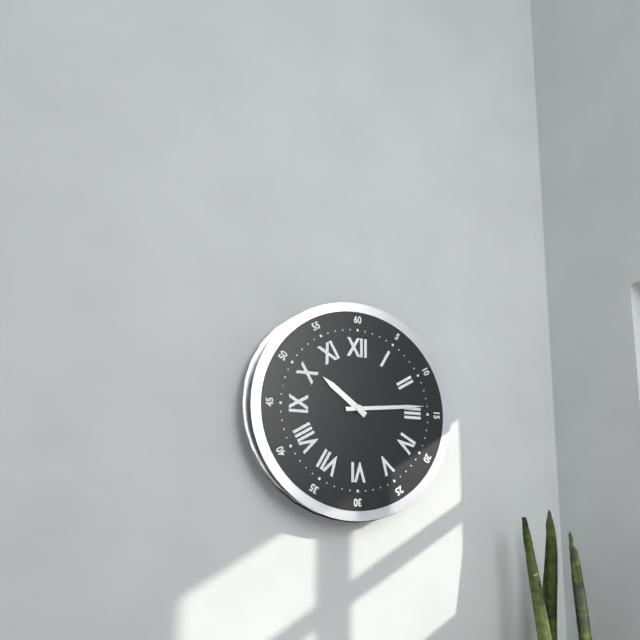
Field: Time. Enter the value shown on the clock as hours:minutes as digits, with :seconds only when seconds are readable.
10:14
